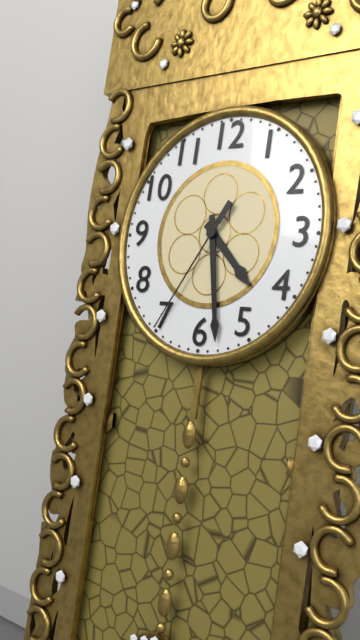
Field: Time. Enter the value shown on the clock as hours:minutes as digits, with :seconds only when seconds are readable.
4:28:35
